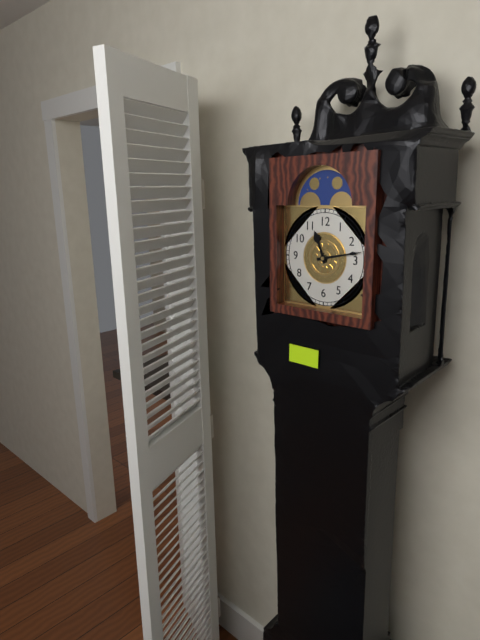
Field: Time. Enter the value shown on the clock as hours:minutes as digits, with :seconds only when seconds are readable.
11:13
